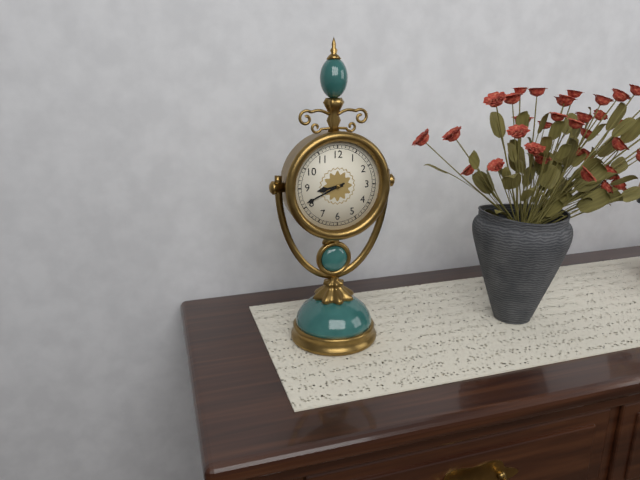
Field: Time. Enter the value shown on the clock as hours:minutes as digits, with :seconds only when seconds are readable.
8:41
